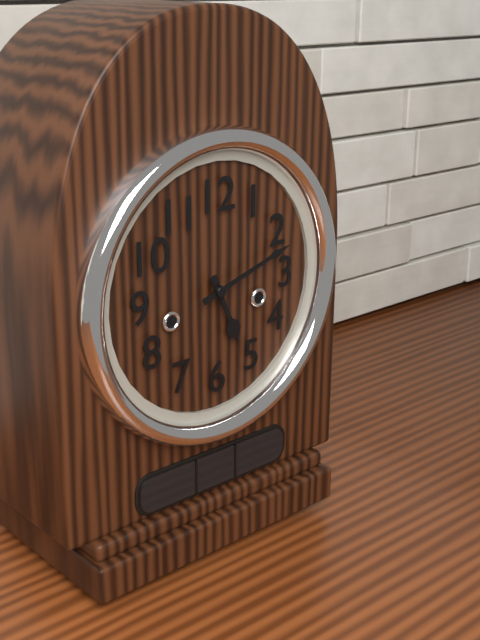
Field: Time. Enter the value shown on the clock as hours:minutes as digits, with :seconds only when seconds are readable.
5:12
